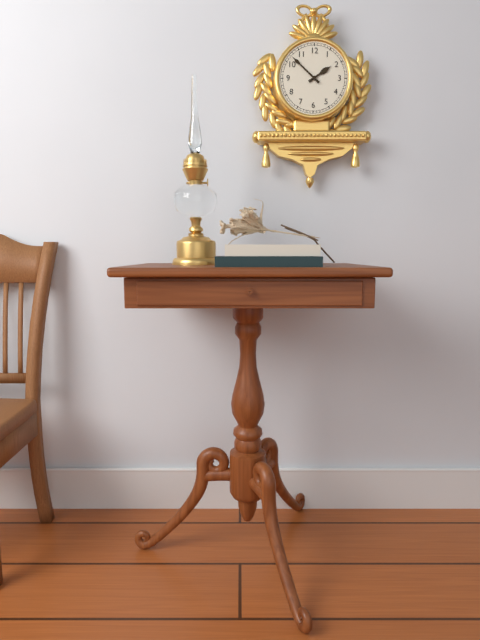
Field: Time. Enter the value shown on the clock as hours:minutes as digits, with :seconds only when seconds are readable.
1:52
